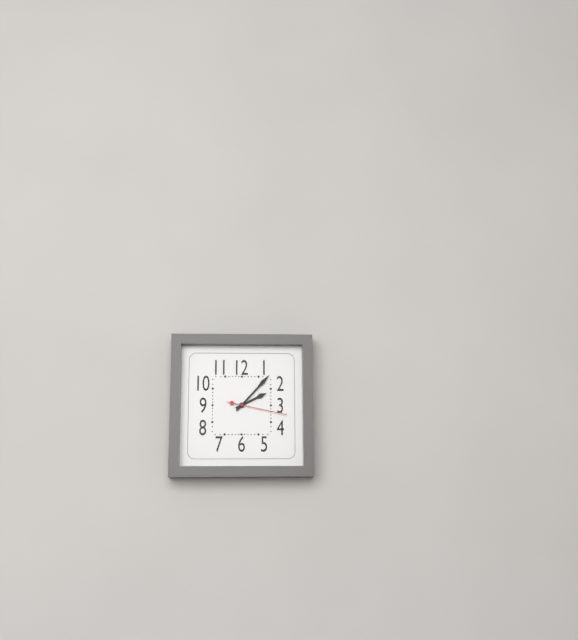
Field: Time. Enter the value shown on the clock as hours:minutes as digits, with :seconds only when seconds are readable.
2:07:17
